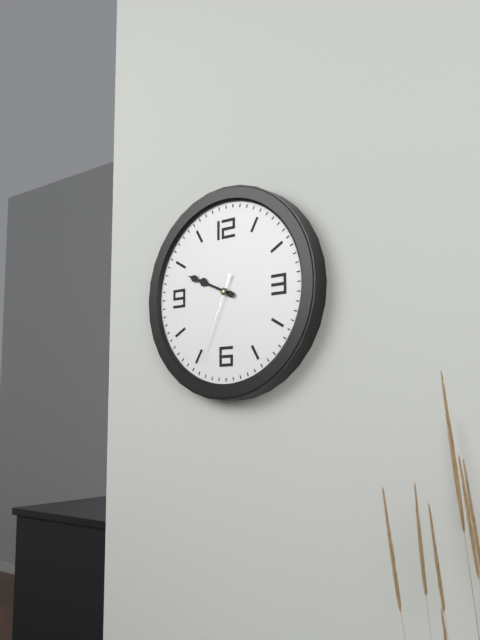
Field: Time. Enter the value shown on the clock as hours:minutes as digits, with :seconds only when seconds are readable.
9:49:34
